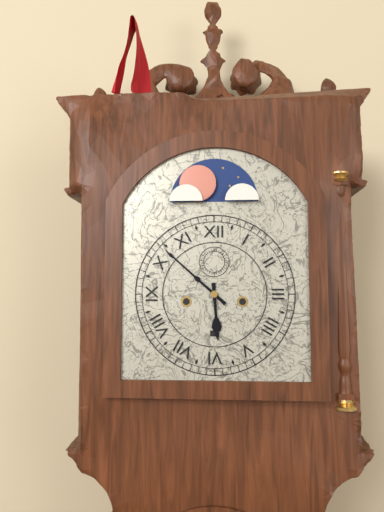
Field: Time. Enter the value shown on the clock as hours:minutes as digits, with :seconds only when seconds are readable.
5:52
